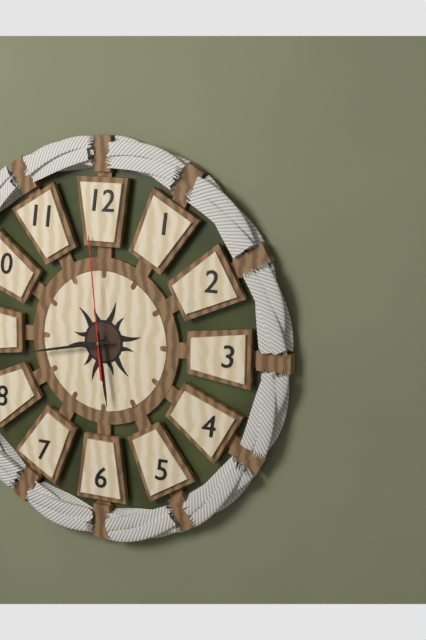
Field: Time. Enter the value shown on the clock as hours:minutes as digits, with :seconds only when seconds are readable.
5:43:59
